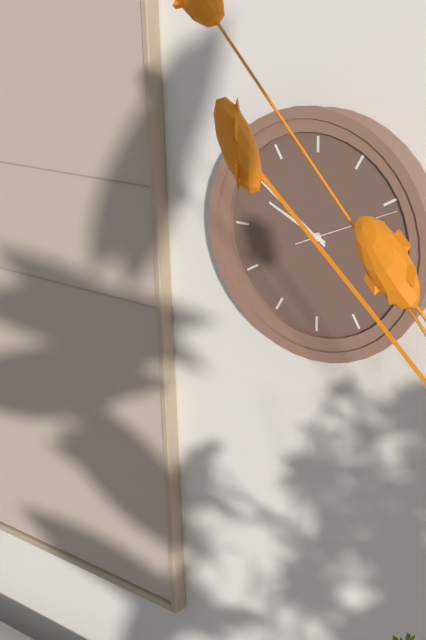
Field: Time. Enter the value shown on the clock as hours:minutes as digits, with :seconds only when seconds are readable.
9:51:11
